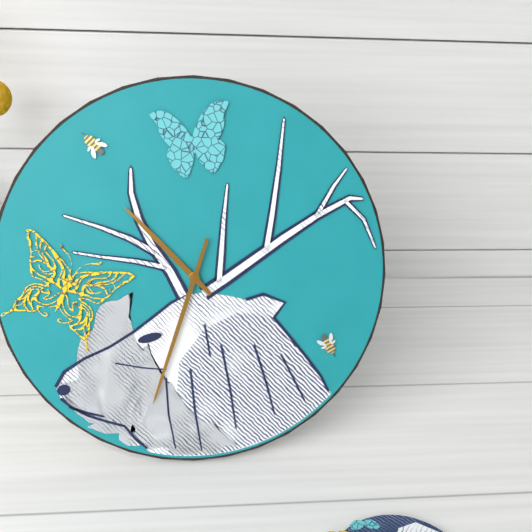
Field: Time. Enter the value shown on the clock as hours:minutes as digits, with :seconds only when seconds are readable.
10:33
